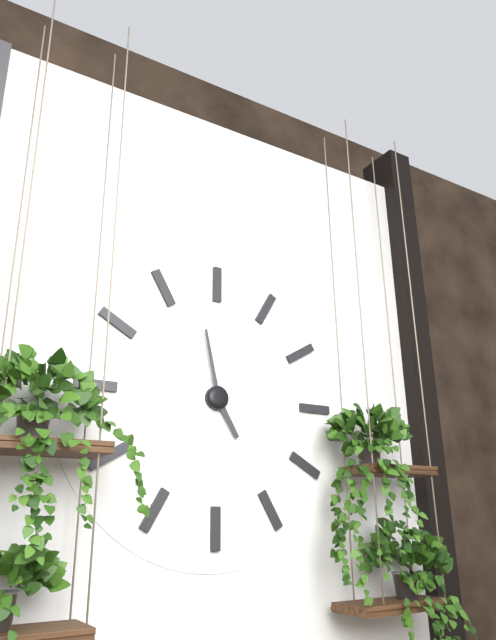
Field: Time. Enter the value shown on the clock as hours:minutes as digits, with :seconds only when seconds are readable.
4:58
